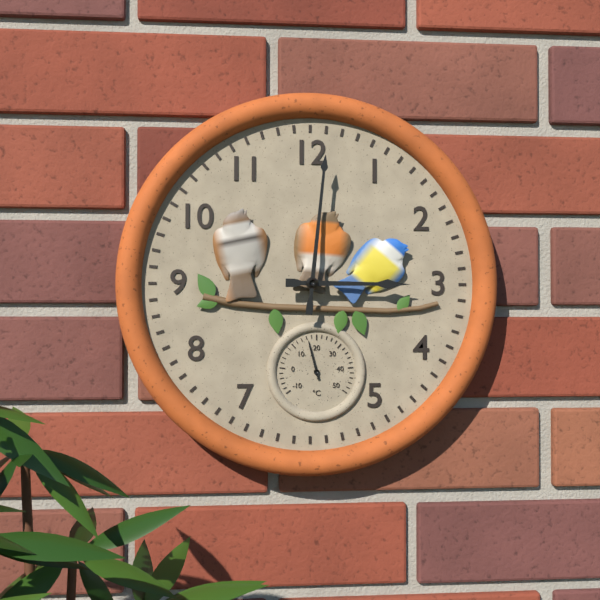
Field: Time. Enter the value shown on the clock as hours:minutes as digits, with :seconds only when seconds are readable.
3:01
